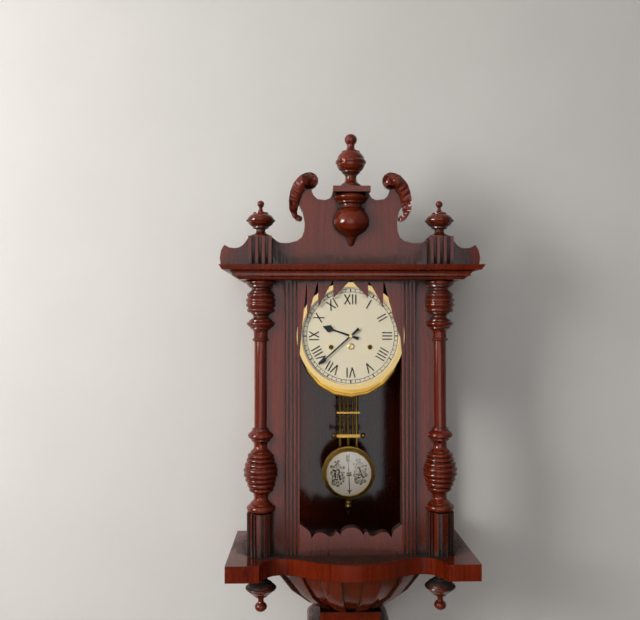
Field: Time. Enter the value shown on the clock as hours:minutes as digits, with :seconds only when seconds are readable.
9:38
